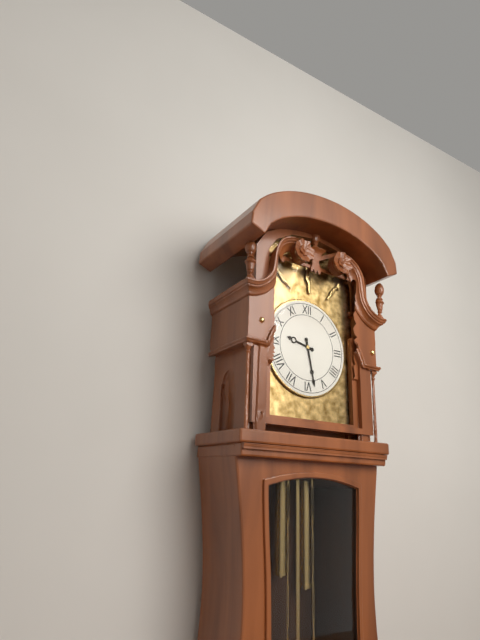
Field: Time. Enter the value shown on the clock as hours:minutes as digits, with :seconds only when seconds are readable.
9:28
